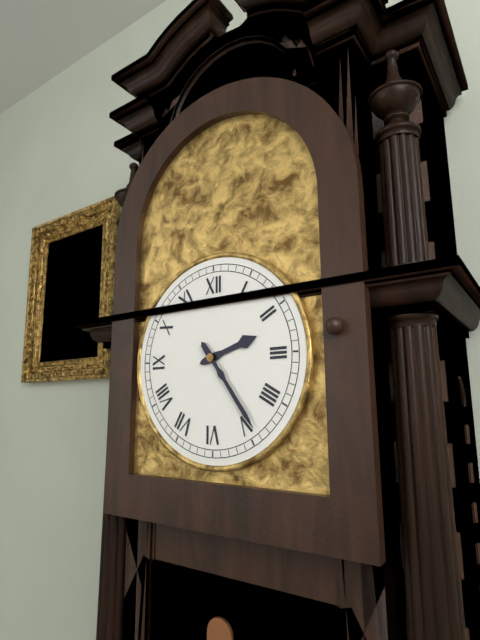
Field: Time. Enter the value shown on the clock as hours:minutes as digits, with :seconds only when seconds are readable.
2:24
